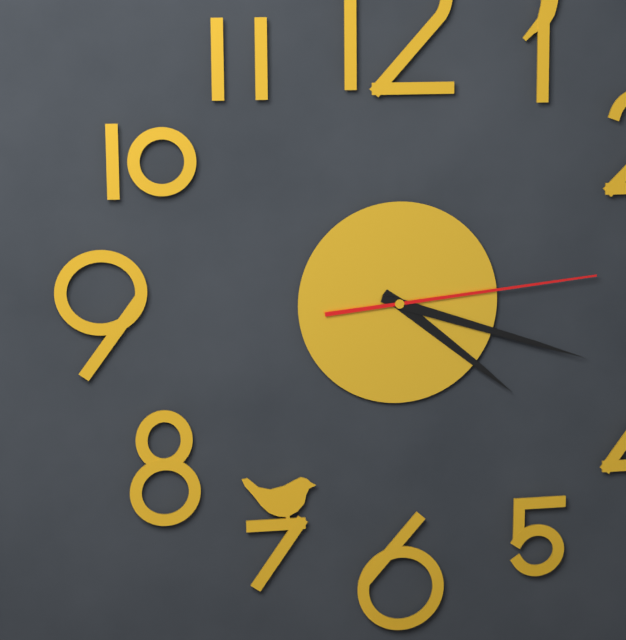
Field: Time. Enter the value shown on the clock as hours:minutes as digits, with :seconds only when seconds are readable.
4:18:14
